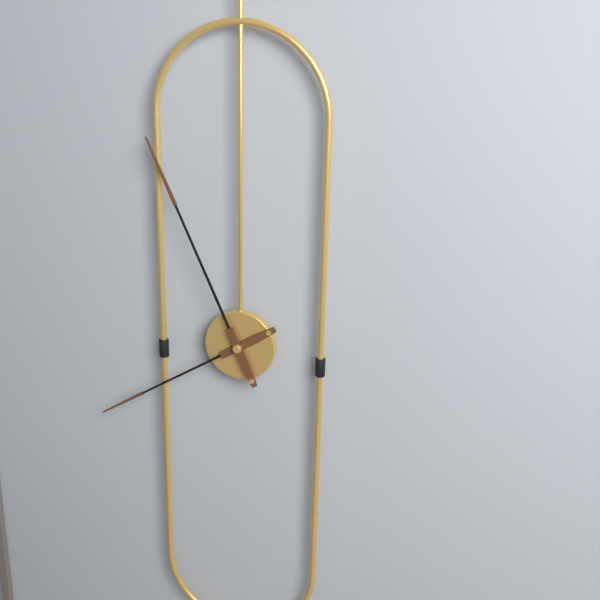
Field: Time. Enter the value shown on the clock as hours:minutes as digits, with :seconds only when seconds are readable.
7:56
